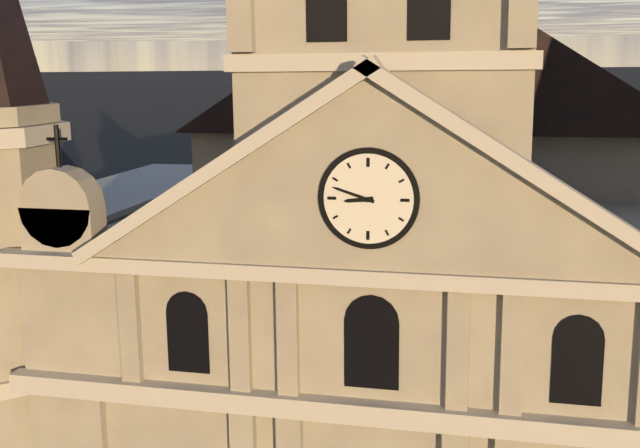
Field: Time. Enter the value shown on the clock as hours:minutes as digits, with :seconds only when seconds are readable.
8:48
